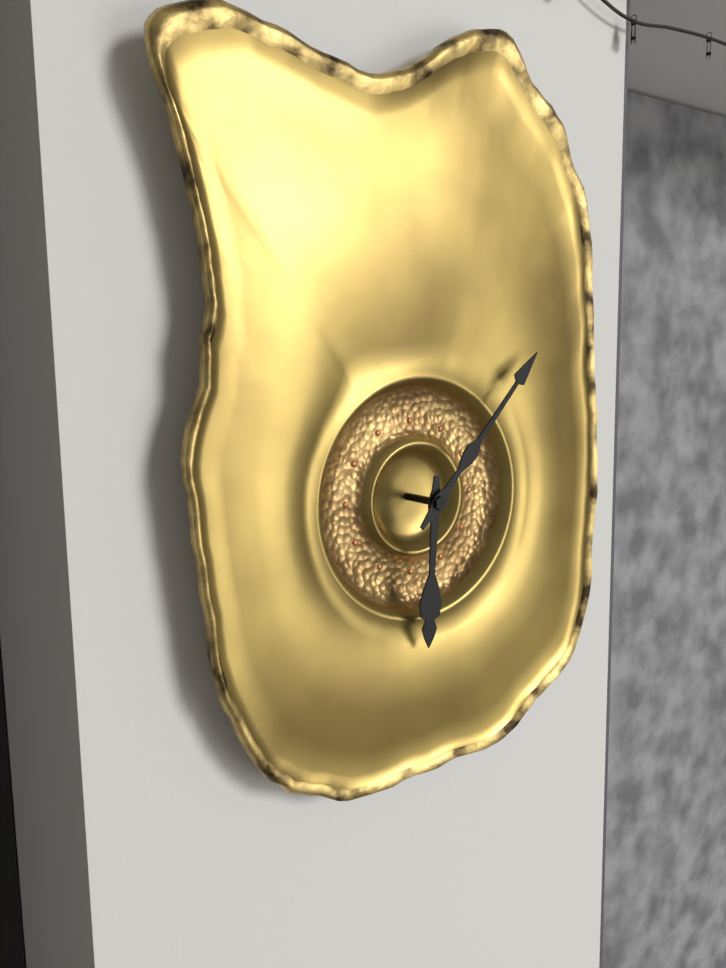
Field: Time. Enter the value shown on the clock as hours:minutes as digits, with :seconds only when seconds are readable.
6:07
